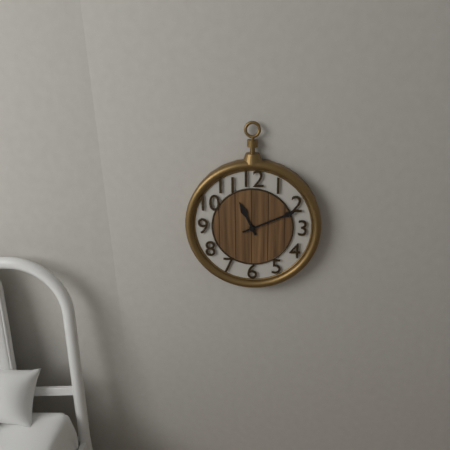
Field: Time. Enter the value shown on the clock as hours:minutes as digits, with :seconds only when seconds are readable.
11:11
